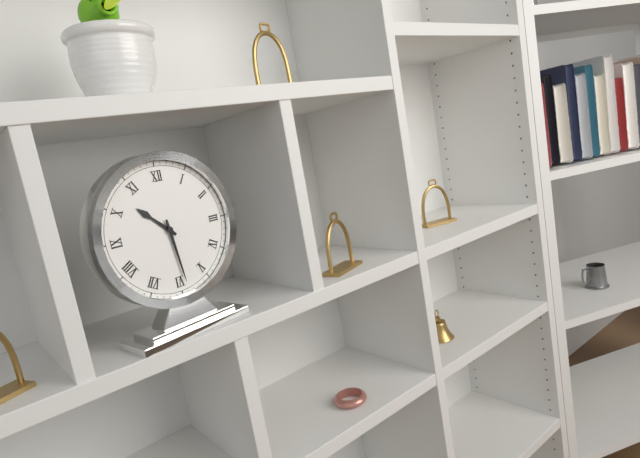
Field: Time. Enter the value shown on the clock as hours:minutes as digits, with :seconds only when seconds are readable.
10:29
